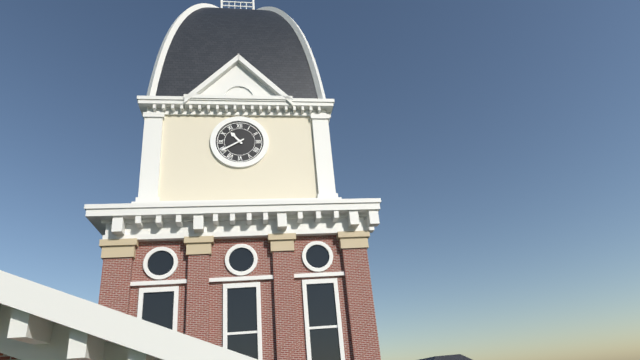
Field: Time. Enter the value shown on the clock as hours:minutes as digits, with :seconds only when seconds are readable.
10:40
